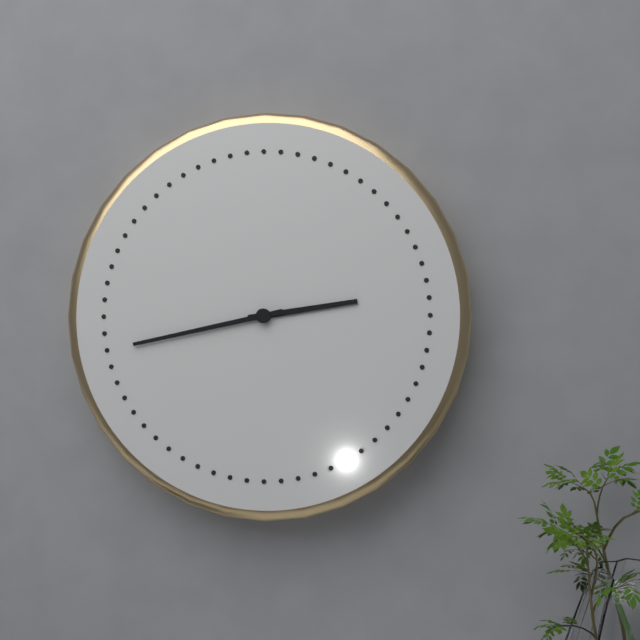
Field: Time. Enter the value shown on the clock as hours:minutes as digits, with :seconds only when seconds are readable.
2:43
